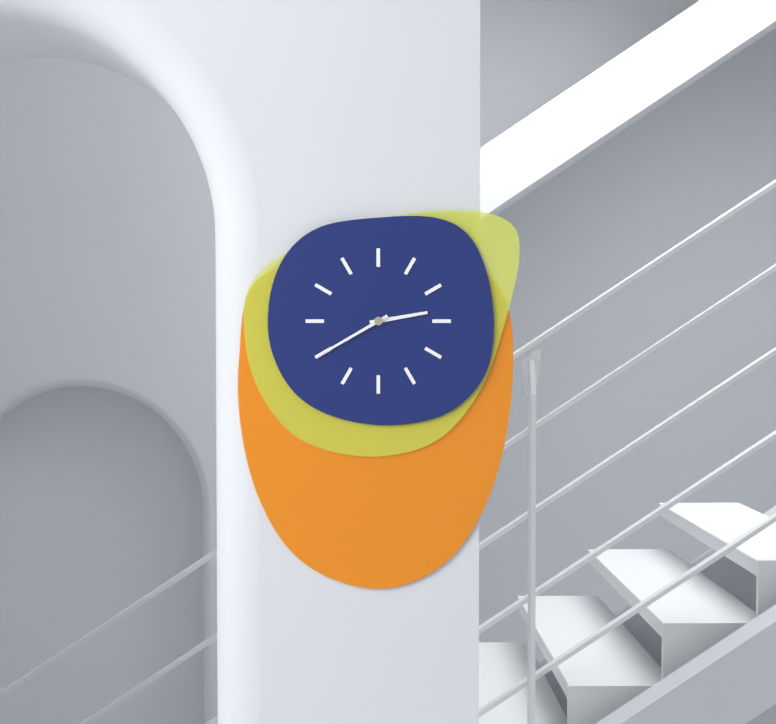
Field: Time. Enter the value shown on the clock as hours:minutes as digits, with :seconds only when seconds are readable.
2:40
